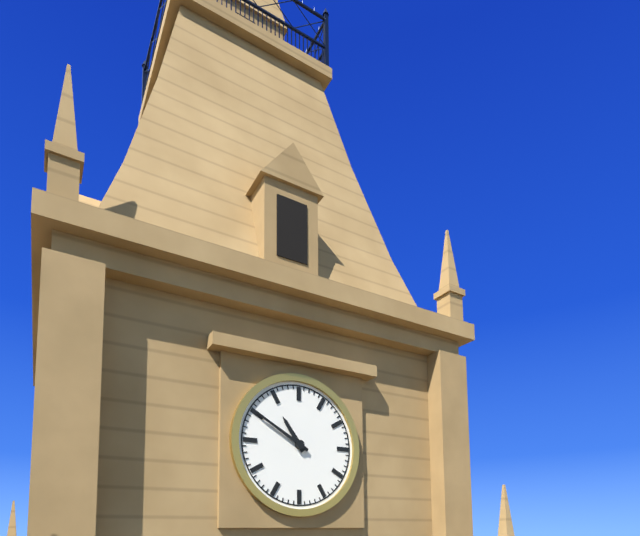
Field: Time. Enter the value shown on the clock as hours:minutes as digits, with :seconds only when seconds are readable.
10:50
